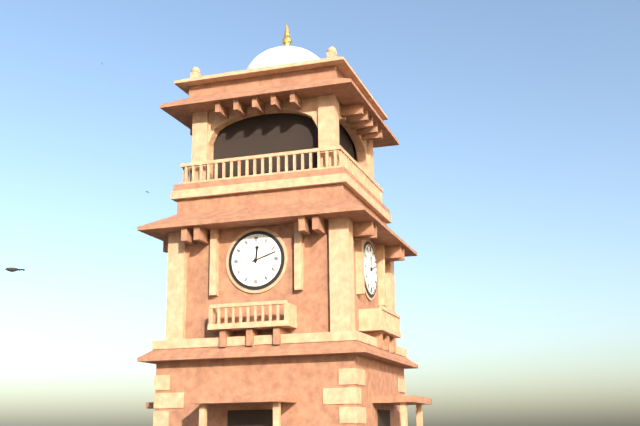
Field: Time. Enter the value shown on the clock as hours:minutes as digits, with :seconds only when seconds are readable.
12:12
